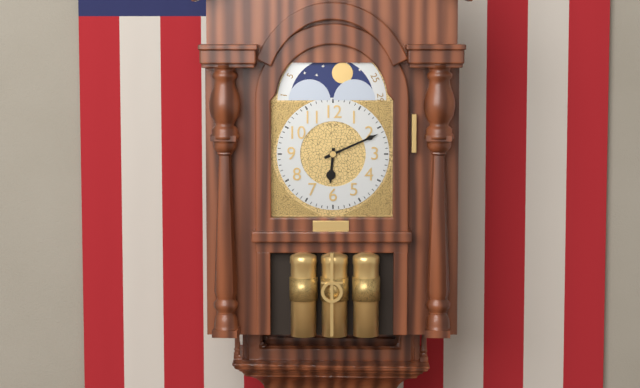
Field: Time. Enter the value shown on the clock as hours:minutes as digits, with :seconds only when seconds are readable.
6:11
